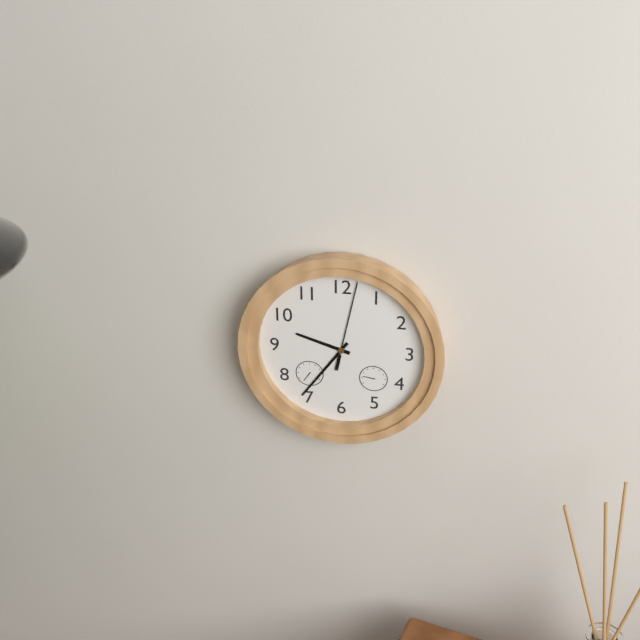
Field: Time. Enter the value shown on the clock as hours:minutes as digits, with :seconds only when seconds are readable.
9:36:02
